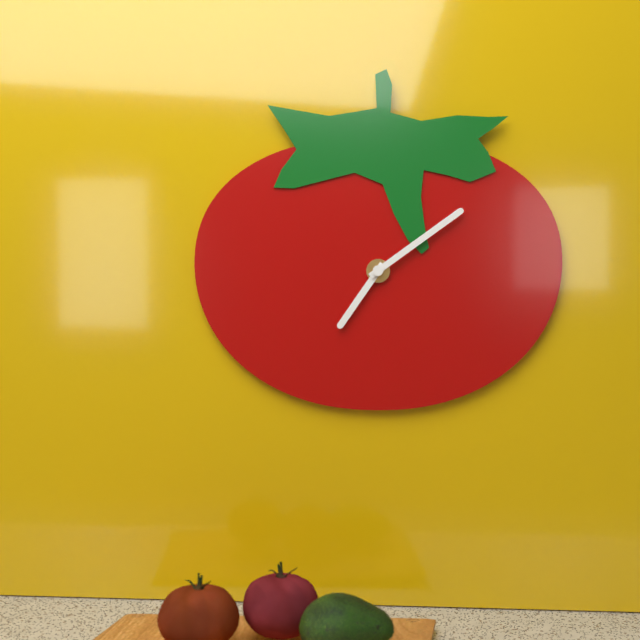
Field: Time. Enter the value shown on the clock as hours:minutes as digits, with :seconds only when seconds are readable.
7:09
